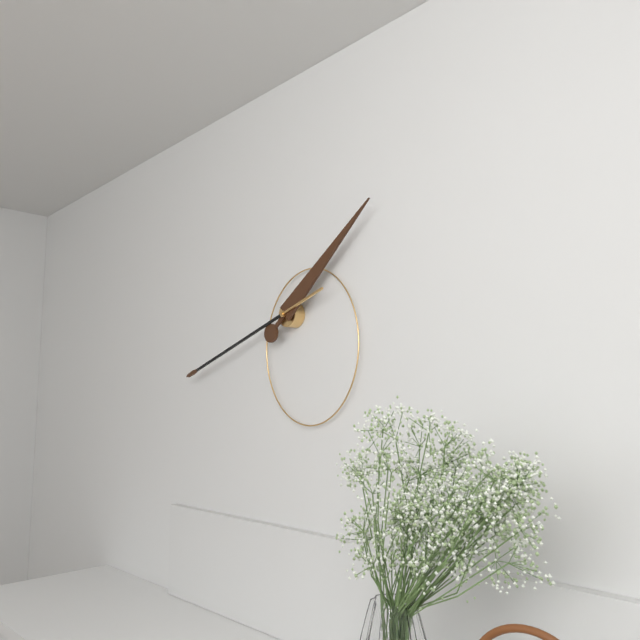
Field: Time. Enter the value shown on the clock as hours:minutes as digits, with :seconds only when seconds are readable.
1:42
